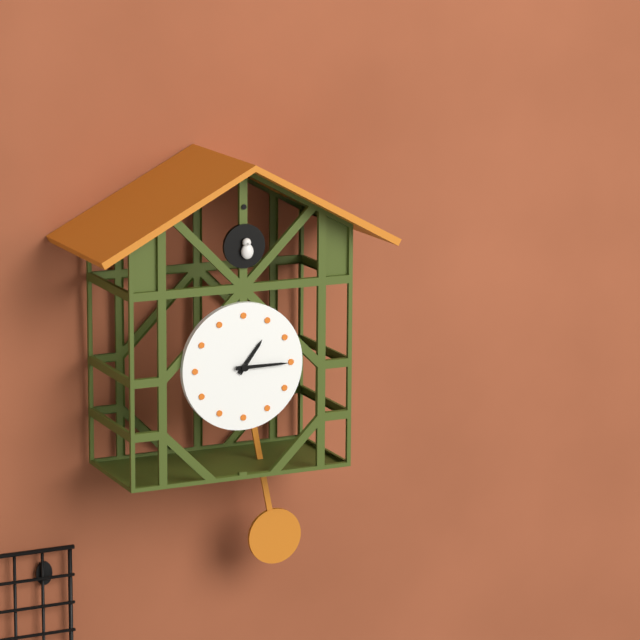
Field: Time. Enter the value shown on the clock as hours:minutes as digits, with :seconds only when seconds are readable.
1:15
